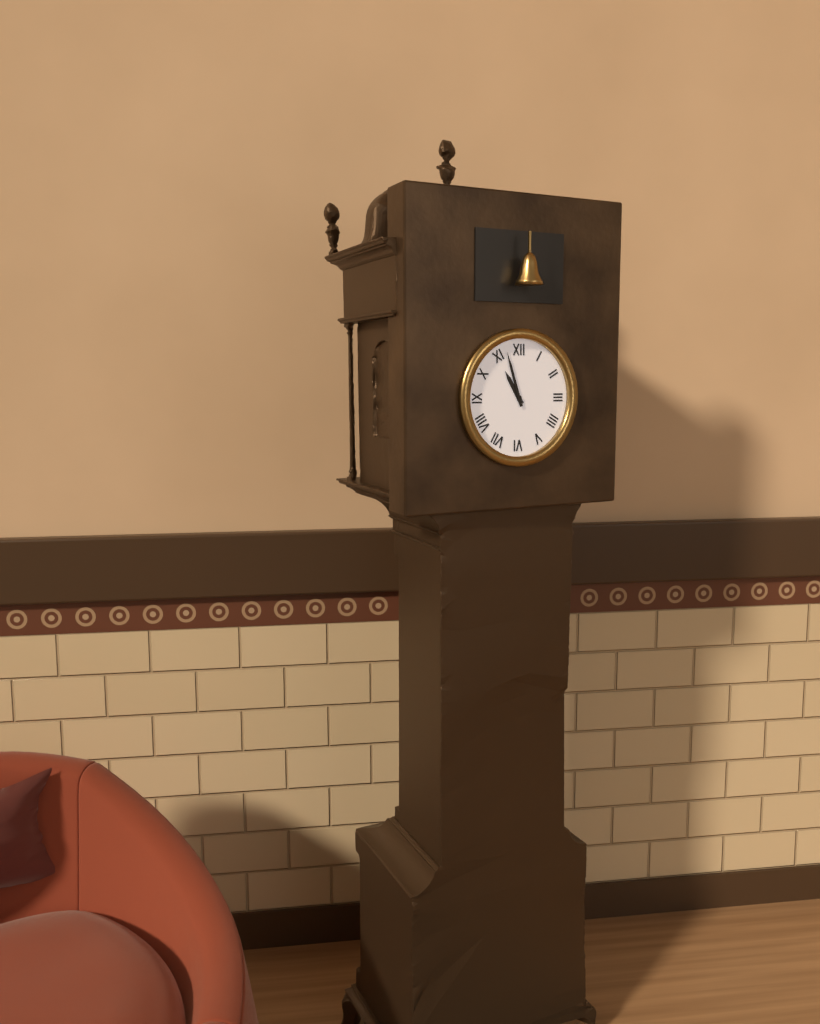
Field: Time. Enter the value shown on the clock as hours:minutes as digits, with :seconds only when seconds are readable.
10:57
